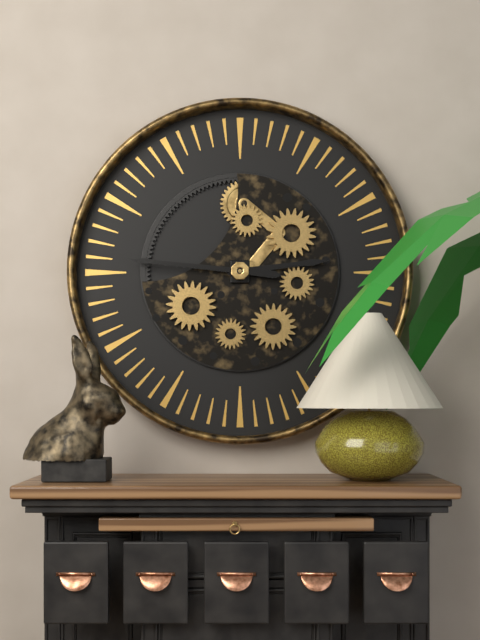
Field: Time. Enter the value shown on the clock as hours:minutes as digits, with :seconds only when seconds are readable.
2:46
